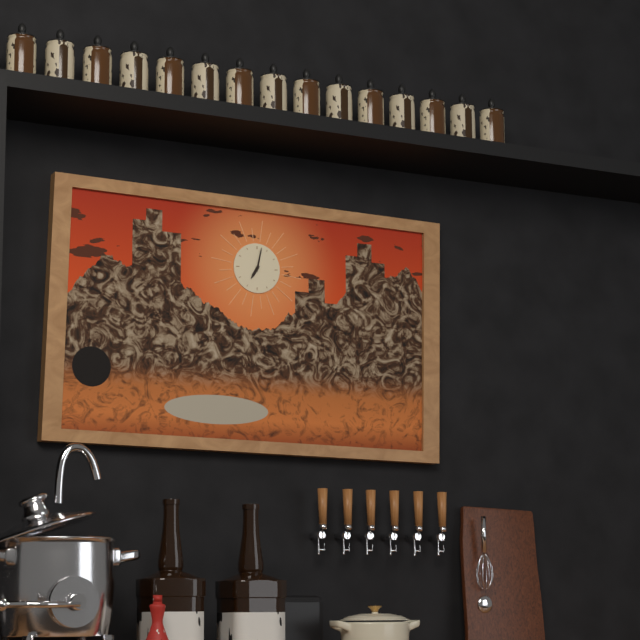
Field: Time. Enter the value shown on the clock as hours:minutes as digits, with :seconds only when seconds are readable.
7:02
